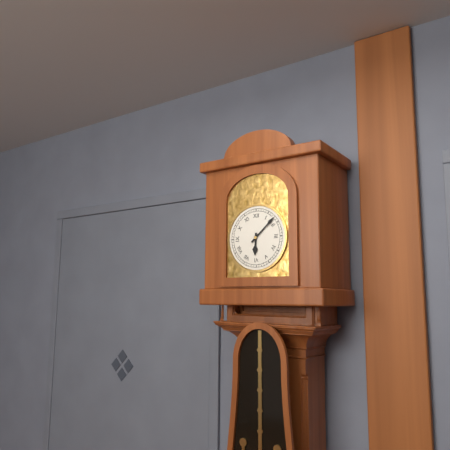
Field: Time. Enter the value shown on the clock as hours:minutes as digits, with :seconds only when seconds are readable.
6:08
